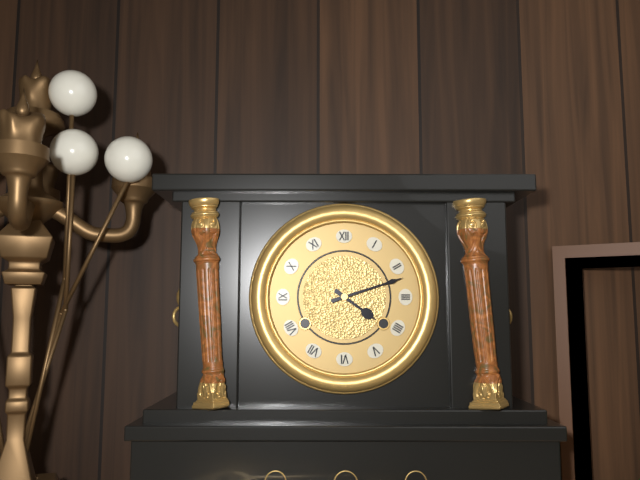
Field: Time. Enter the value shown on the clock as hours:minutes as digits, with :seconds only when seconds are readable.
4:12
